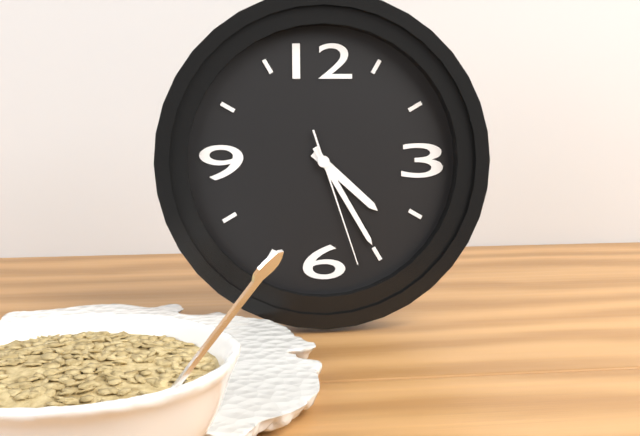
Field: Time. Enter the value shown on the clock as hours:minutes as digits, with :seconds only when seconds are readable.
4:25:27
